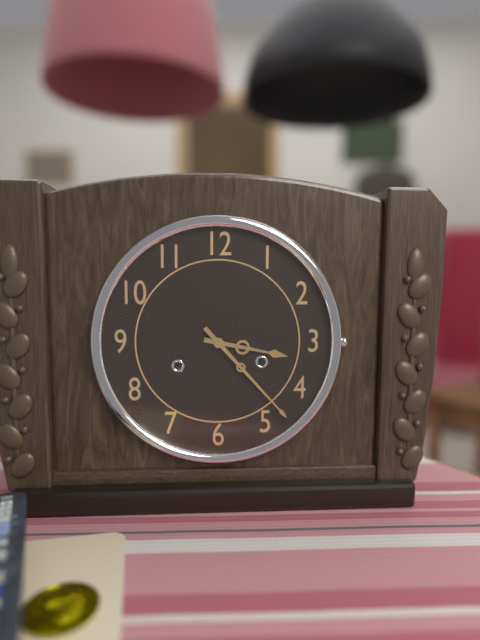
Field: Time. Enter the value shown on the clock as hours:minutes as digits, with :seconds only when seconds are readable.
3:23
